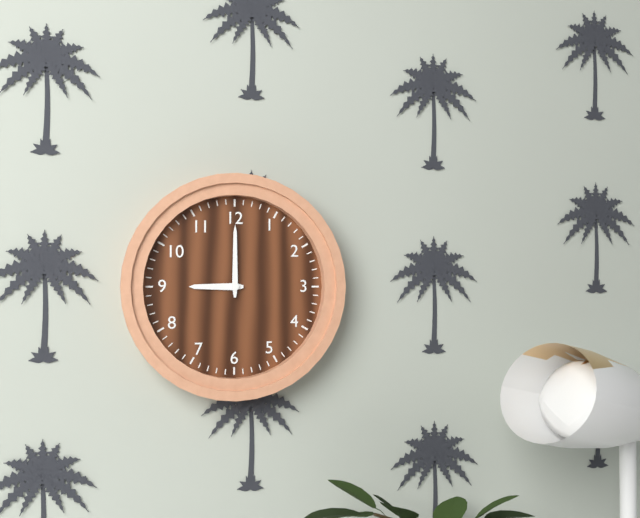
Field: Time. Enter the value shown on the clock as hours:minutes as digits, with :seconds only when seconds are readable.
9:00
